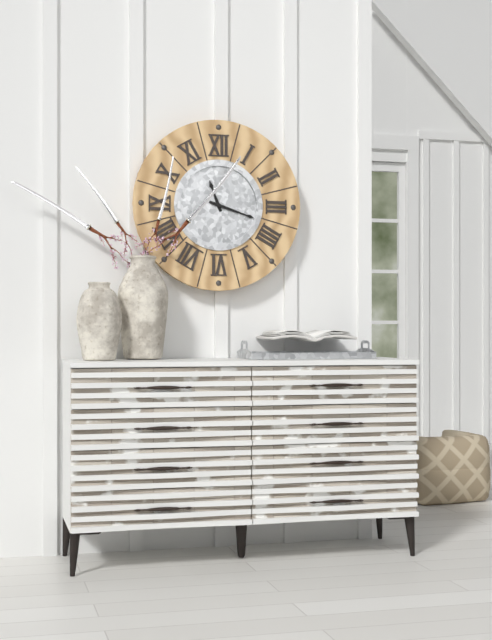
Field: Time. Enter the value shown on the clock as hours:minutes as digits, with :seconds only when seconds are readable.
11:18
